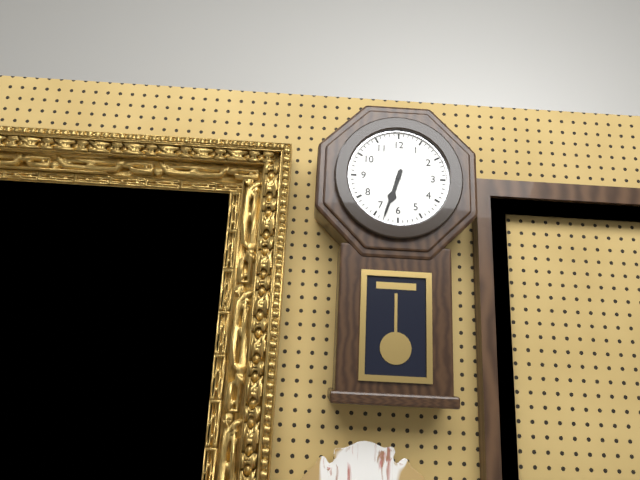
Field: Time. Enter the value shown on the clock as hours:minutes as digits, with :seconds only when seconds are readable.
6:33
